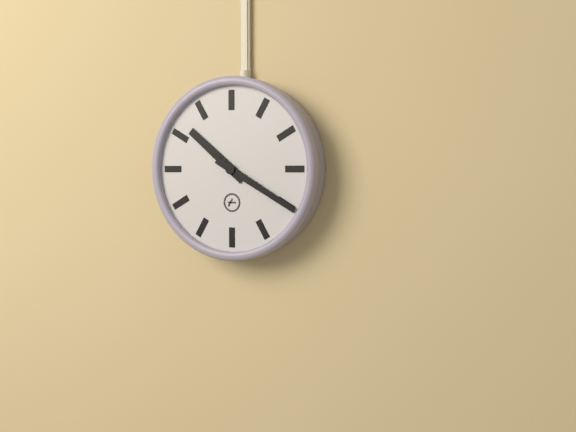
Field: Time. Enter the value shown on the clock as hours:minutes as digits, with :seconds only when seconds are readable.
10:20
